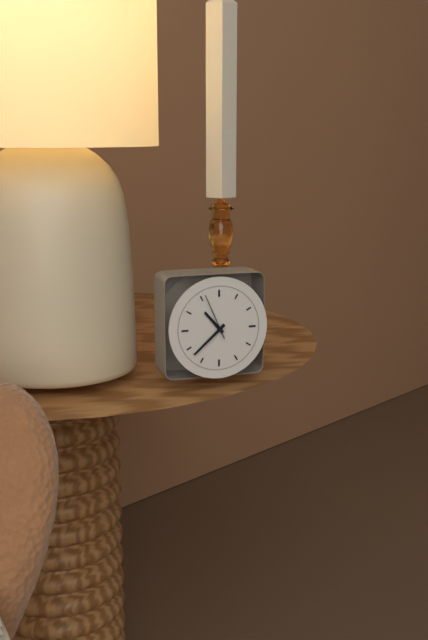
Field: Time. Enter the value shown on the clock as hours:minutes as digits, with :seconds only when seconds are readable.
10:38
